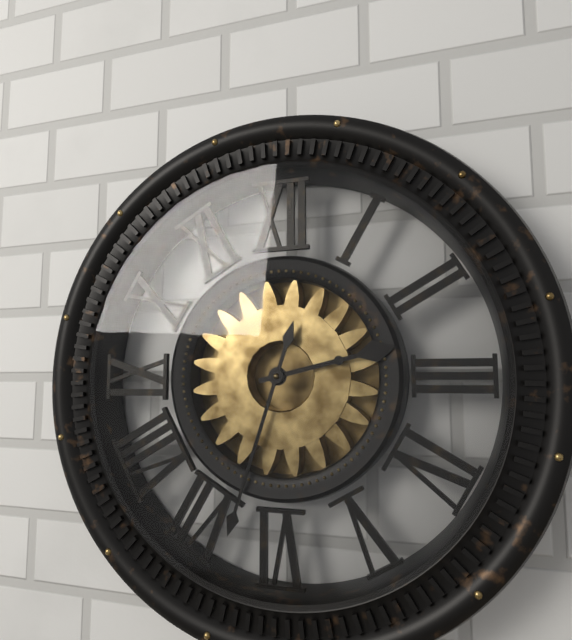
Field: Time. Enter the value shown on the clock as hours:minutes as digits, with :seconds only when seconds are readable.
2:33
